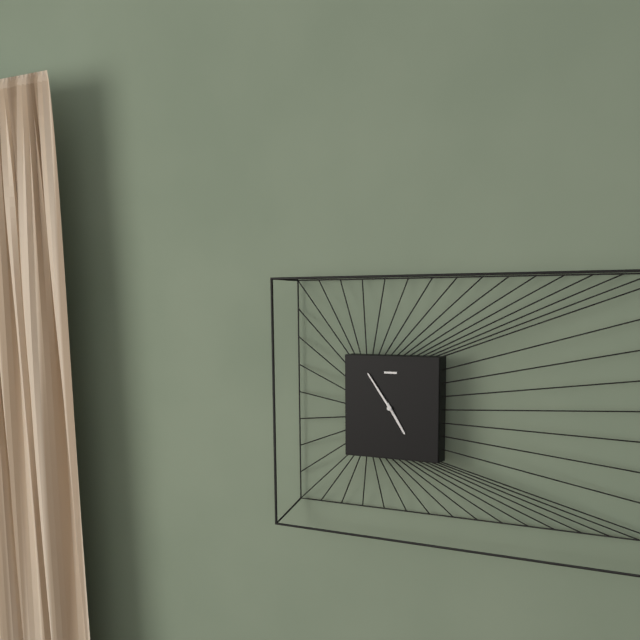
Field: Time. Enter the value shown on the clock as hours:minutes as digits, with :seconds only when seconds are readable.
4:54
